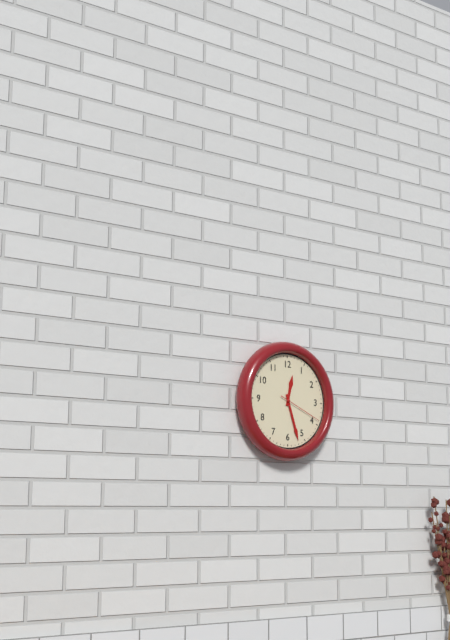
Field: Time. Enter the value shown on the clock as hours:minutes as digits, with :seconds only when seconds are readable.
12:27
